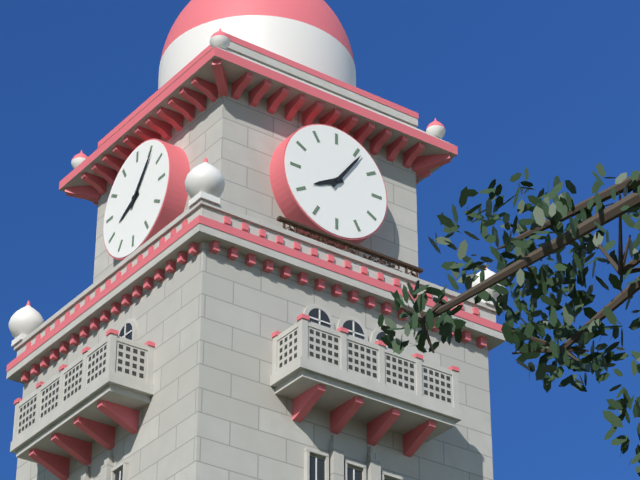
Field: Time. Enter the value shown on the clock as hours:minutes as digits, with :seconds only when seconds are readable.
8:06
